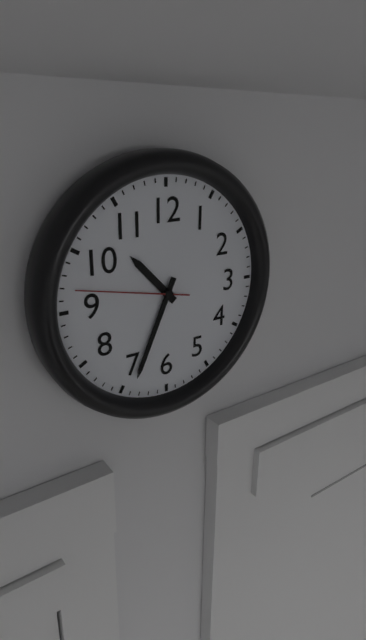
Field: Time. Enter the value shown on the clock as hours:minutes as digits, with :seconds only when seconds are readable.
10:34:47
